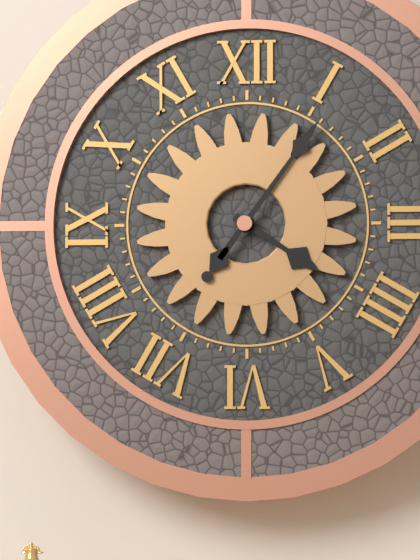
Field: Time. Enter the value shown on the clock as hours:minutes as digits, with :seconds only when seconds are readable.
4:06
